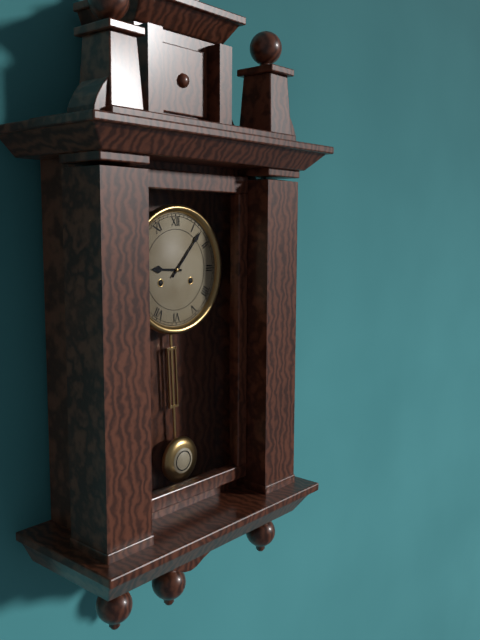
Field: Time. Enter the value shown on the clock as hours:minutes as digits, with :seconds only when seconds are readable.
9:07
